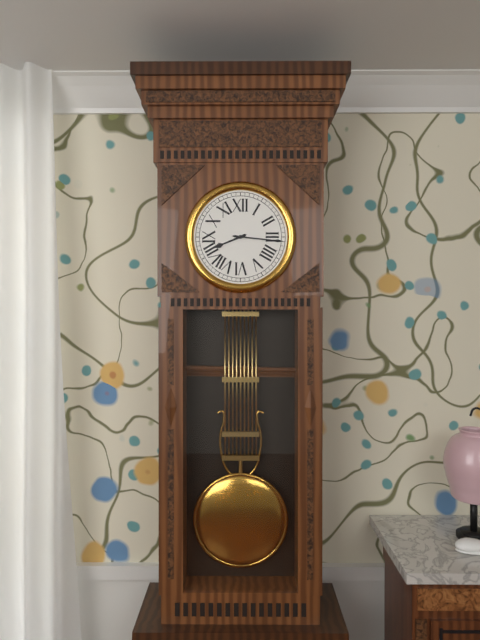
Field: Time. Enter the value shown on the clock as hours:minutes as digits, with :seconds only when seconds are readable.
8:16
